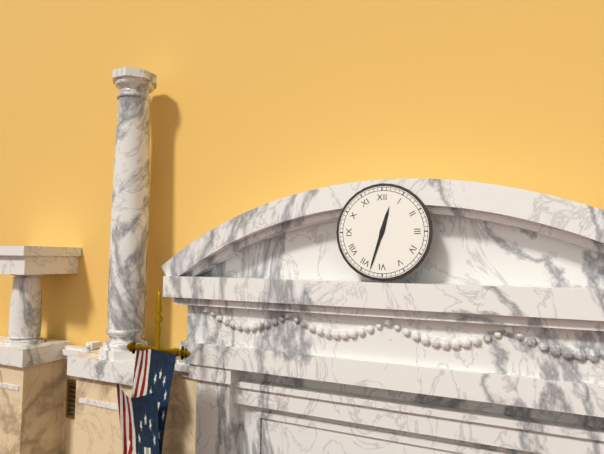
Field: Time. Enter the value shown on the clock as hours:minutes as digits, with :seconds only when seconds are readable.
12:33
